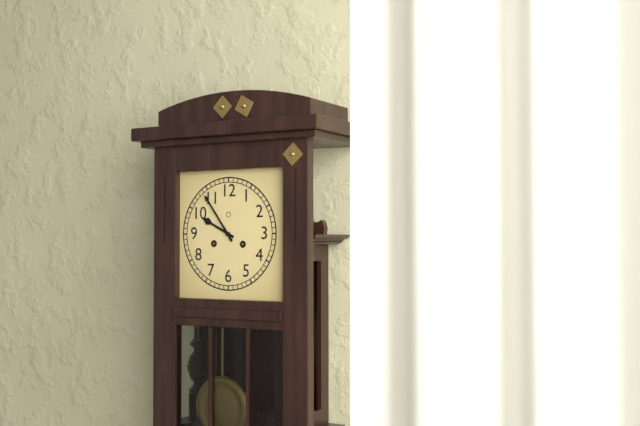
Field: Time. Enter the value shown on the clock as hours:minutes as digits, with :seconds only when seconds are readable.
9:54
